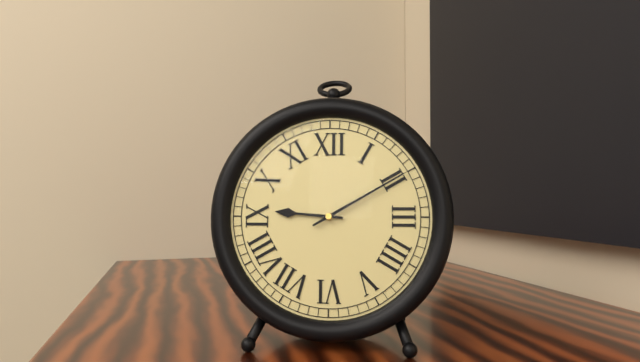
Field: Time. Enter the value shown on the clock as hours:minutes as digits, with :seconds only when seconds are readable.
9:10
